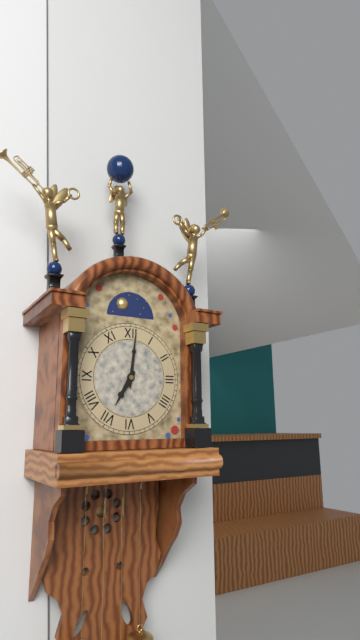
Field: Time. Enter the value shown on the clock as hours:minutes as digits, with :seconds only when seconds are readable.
7:01
